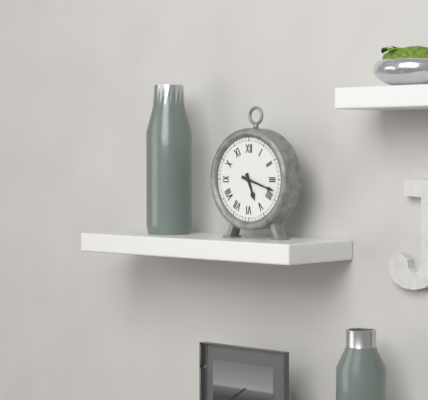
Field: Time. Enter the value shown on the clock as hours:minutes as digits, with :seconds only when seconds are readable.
5:18
